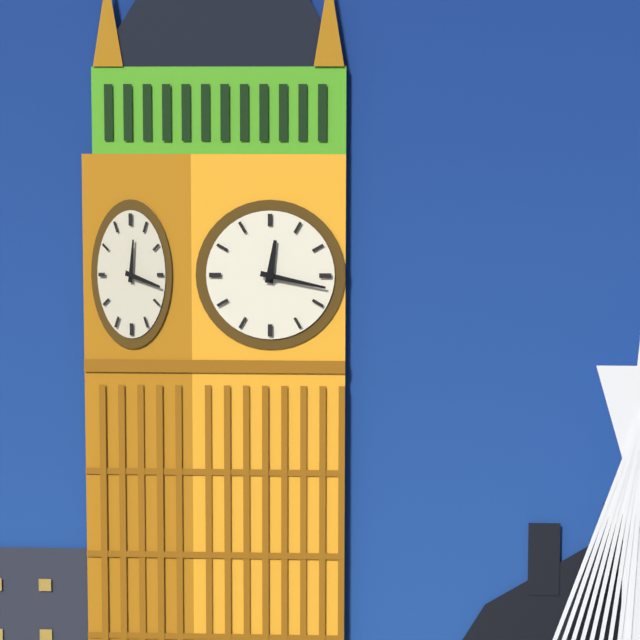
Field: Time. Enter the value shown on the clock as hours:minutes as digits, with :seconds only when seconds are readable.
12:17
